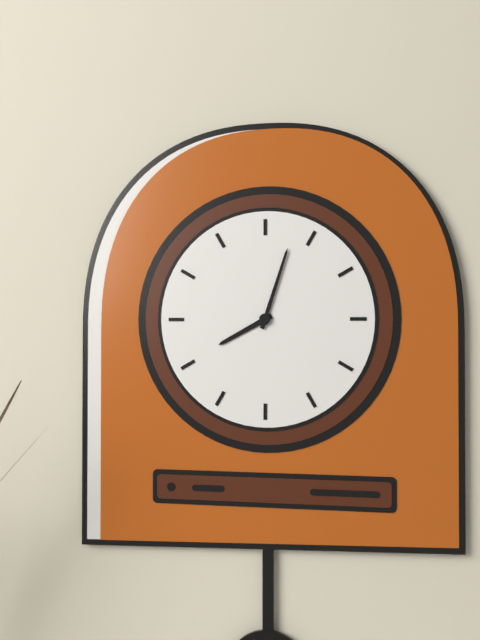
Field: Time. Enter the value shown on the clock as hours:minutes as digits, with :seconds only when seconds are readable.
8:03
